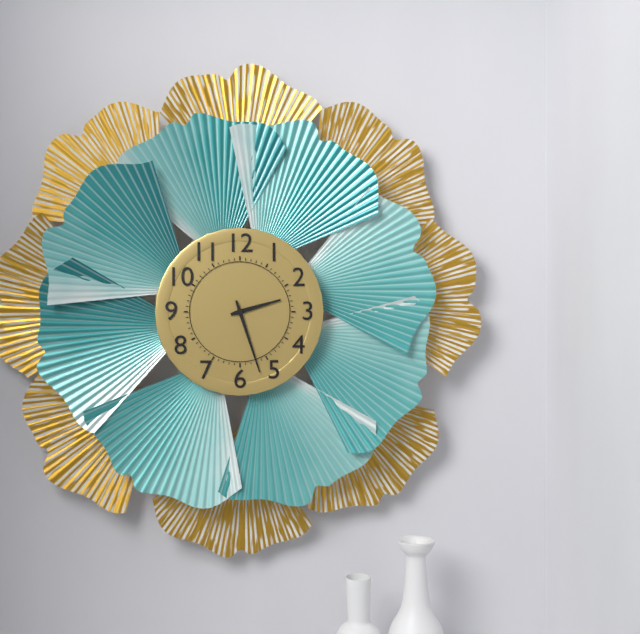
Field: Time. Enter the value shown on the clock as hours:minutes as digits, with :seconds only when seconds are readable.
2:27
